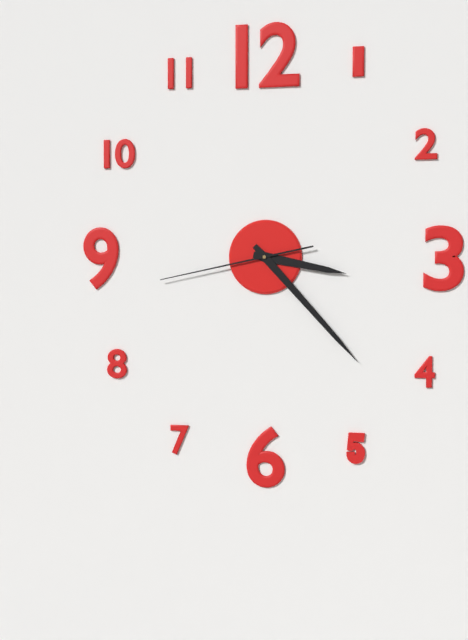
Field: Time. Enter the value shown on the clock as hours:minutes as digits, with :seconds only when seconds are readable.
3:23:43
